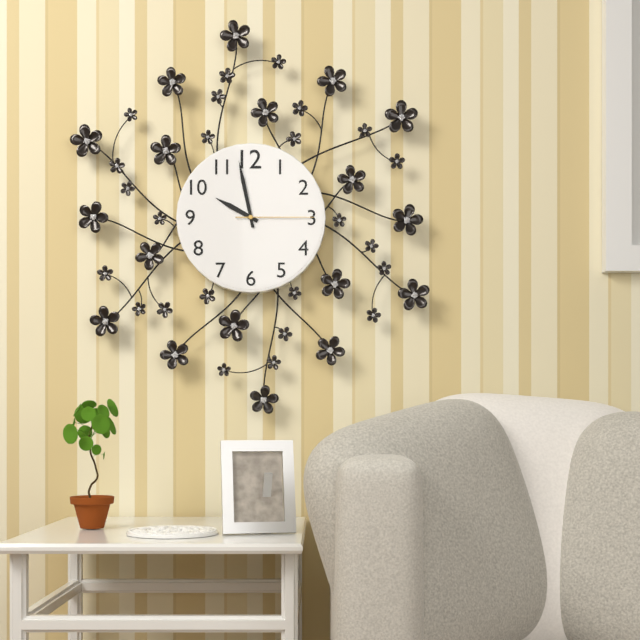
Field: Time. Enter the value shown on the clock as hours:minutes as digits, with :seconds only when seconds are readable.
9:58:15
